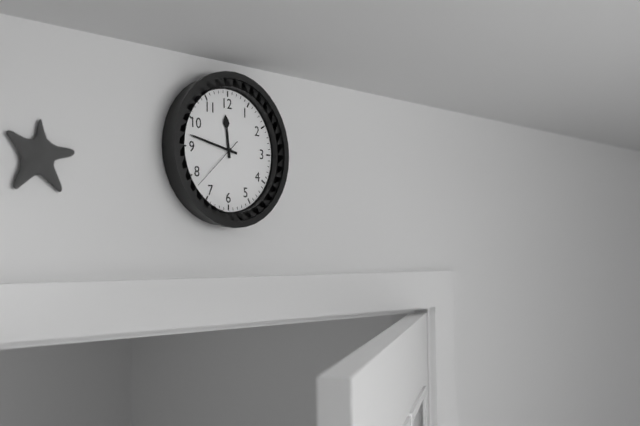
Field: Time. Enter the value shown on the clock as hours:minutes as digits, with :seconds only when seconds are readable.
11:47:38
